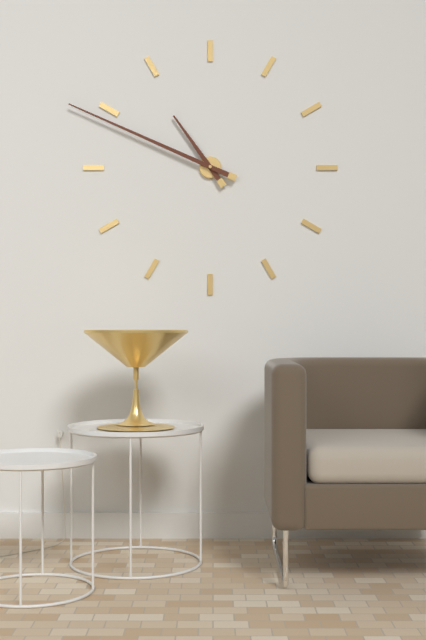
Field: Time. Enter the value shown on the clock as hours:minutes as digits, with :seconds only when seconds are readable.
10:49
